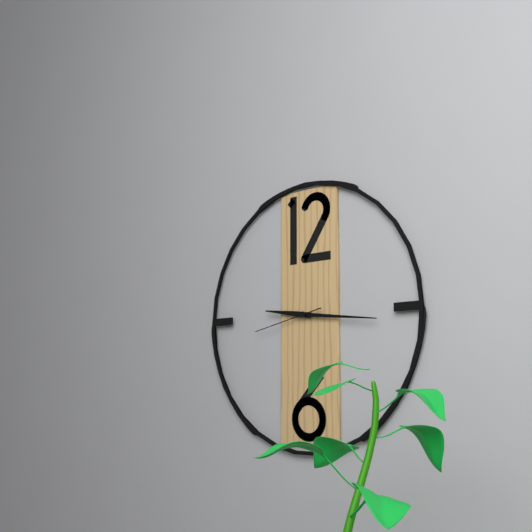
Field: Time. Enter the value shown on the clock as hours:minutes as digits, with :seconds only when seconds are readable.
9:16:43
